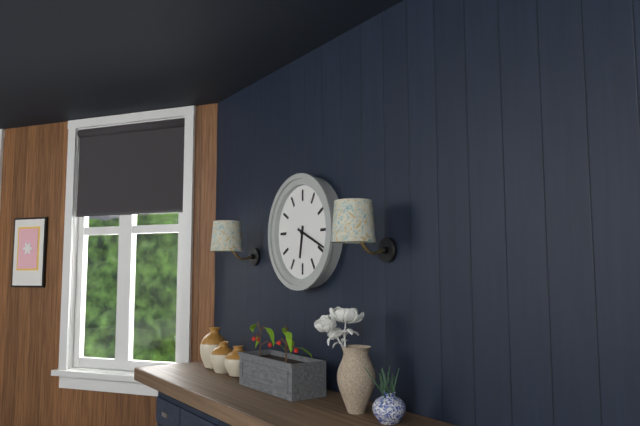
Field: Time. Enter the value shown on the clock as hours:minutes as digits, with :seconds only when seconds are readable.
6:19
